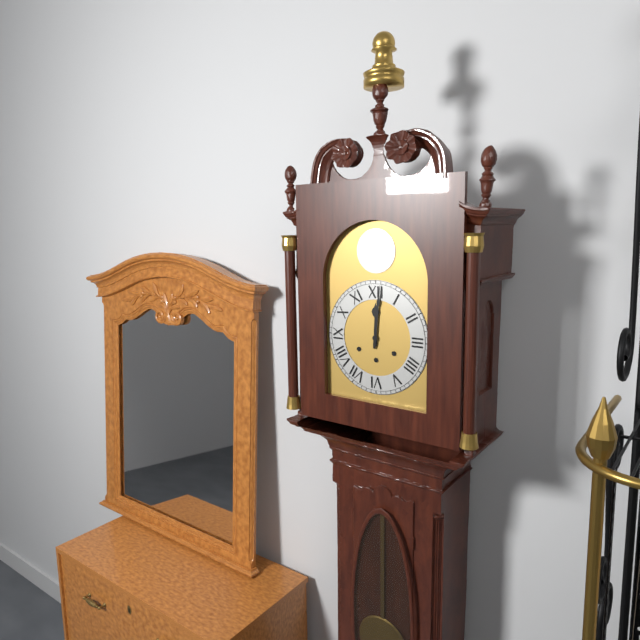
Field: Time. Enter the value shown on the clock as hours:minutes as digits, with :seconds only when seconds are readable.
12:01
